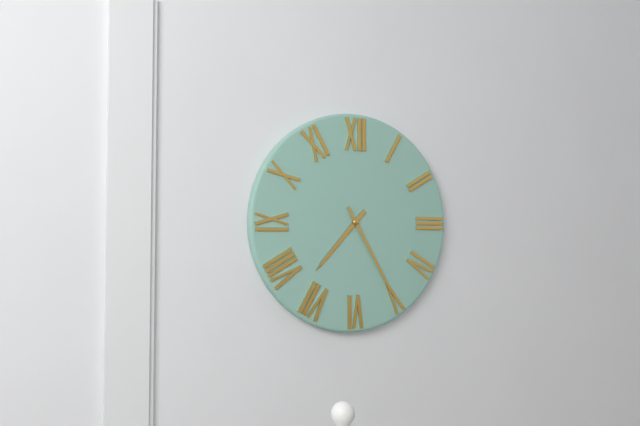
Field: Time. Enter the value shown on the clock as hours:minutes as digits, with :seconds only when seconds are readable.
7:25
